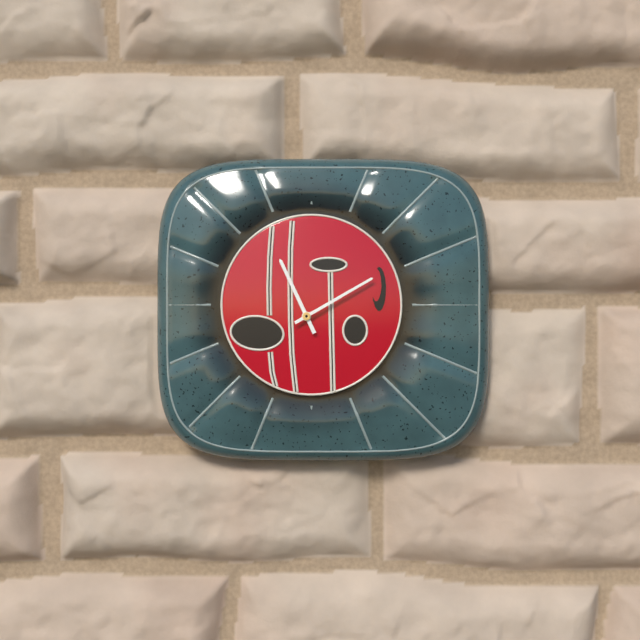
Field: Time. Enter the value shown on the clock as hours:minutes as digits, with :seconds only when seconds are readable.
11:10
